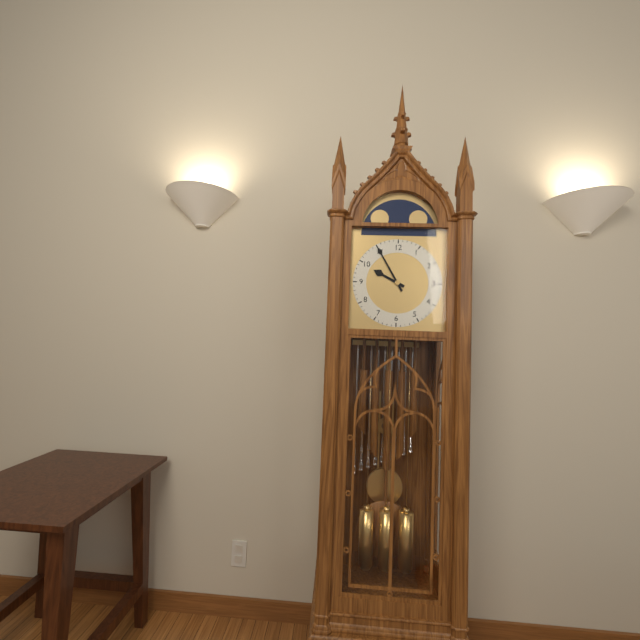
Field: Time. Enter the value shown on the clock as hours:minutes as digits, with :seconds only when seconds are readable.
9:55
